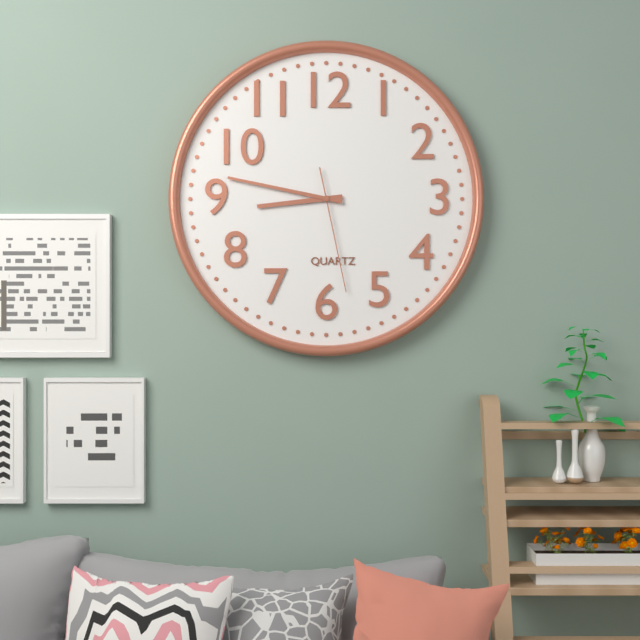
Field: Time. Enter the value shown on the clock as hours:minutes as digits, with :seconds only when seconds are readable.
8:47:28
